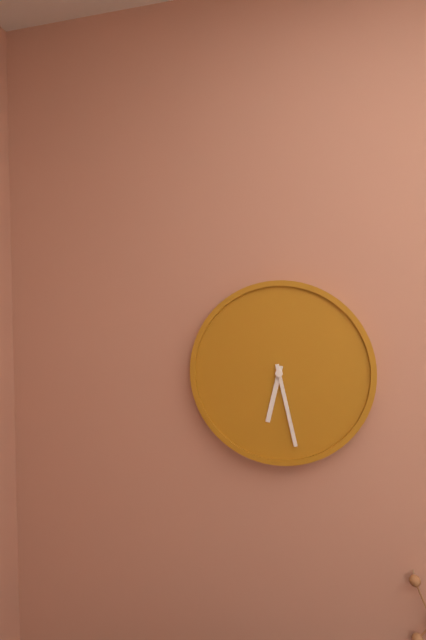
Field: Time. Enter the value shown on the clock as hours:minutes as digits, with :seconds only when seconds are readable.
6:28
